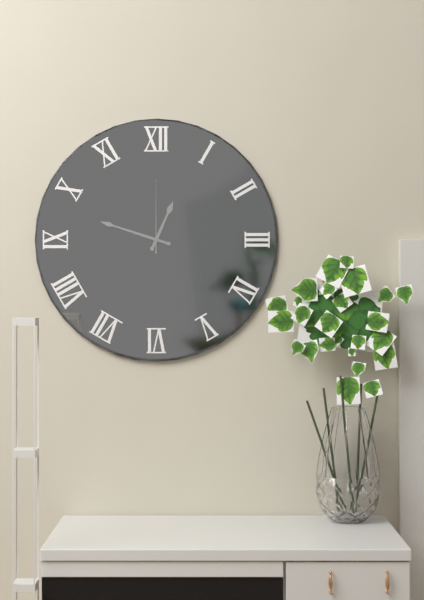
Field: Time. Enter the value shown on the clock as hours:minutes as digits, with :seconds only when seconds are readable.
12:48:00
